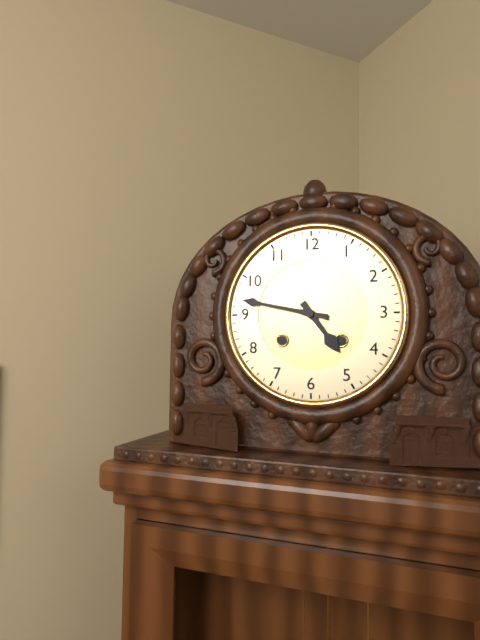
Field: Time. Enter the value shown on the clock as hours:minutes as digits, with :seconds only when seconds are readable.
4:47
